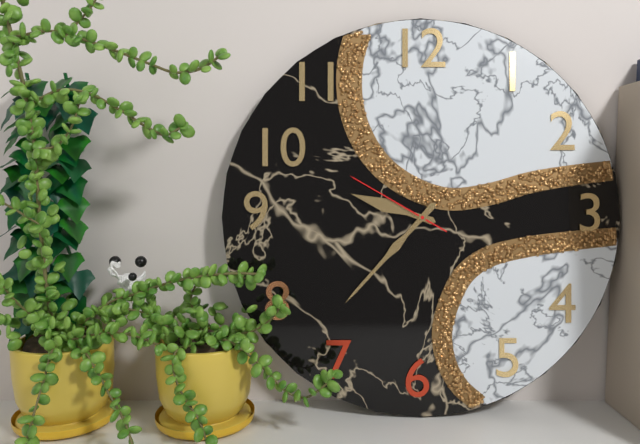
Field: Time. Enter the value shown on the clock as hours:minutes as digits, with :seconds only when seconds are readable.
9:37:50
